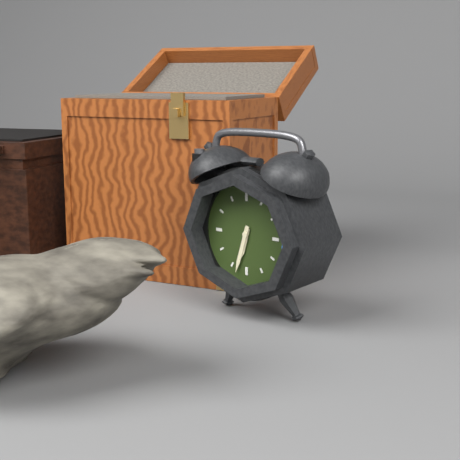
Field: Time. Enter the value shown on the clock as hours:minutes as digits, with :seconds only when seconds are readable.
6:33
